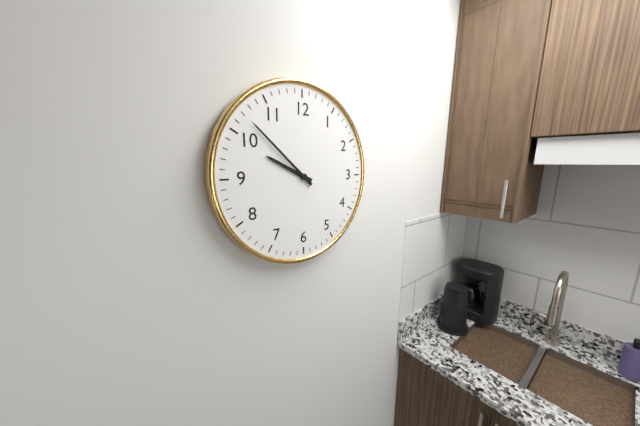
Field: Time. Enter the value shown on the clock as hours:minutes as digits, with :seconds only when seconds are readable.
9:52
